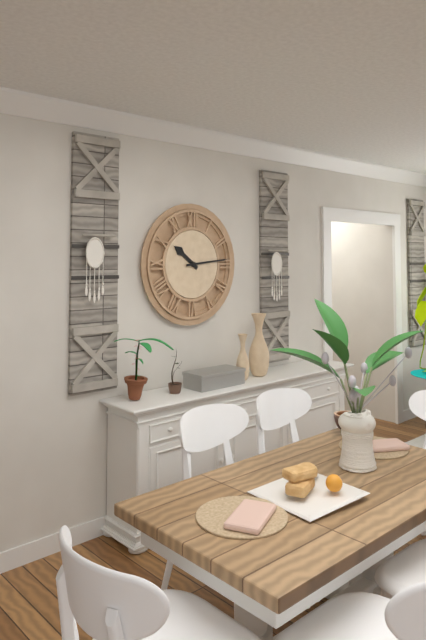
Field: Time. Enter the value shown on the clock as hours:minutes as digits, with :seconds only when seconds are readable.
10:14
